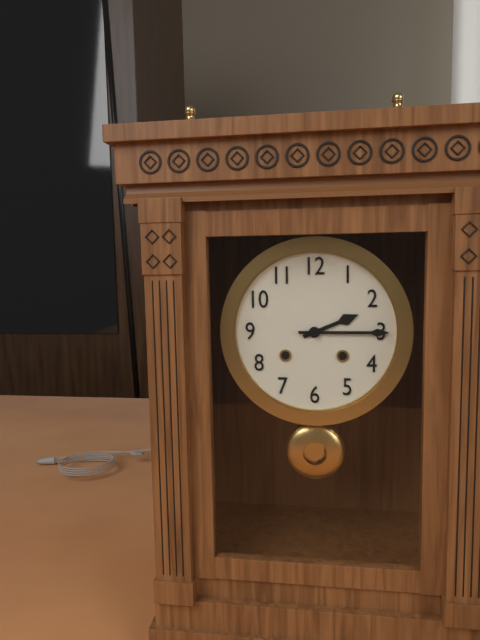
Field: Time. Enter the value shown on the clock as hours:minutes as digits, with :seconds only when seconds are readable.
2:15
